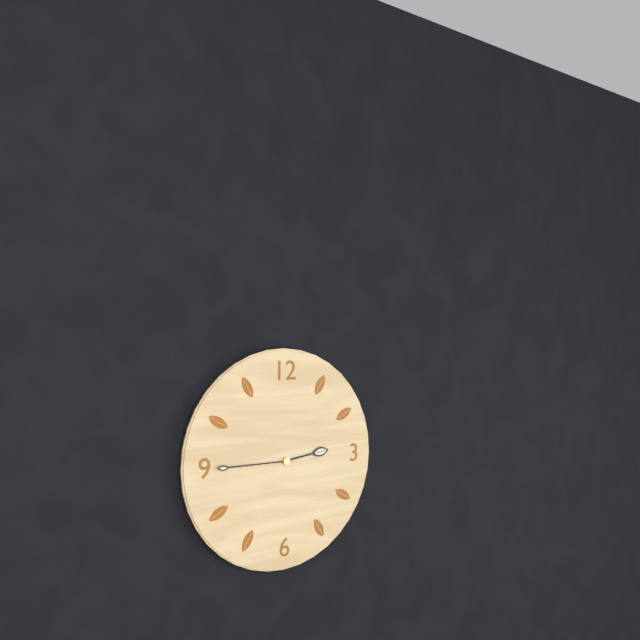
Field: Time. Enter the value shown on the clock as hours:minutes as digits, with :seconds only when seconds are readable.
2:45
